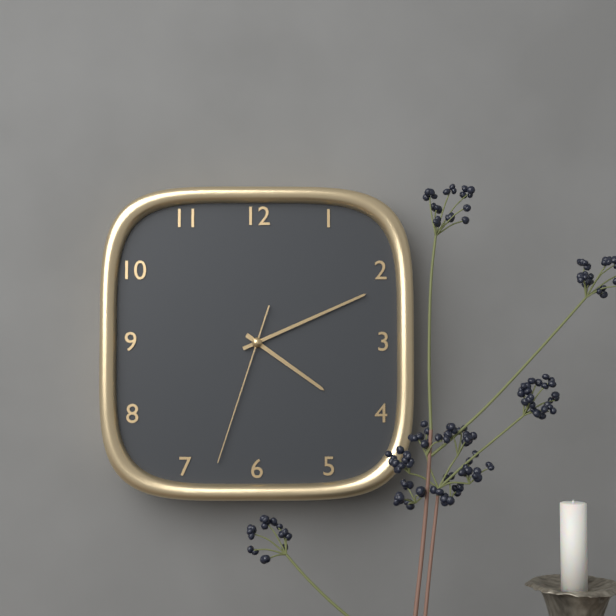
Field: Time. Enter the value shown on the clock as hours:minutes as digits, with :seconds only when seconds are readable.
4:11:33
